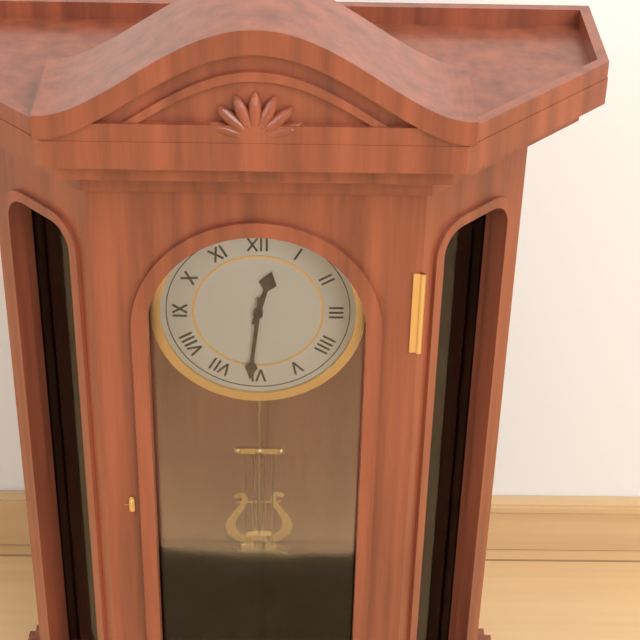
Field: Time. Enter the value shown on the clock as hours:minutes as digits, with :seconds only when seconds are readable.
12:31
